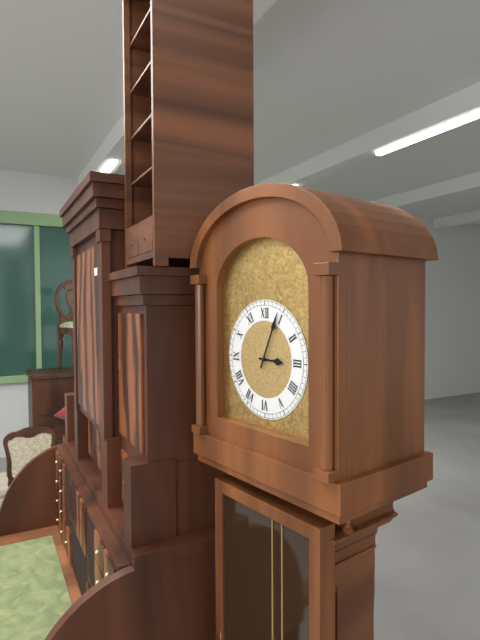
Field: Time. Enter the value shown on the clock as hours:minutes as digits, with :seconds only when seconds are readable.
3:04
